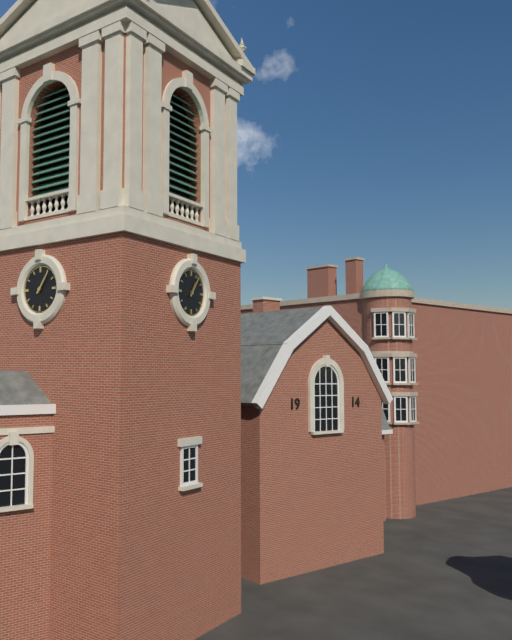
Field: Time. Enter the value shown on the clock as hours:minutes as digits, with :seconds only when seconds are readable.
1:06
